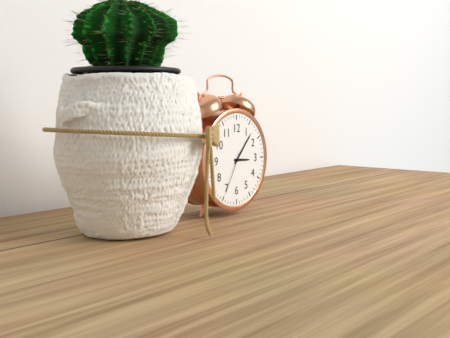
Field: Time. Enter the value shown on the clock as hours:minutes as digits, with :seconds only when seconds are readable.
3:07
